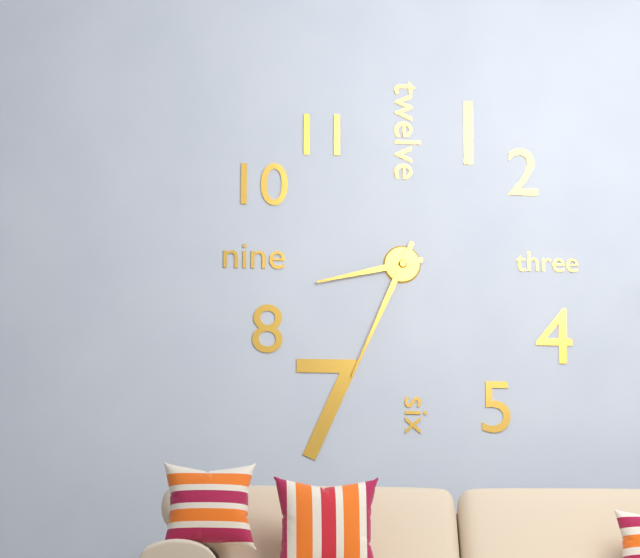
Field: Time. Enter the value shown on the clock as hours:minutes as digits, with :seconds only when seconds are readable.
8:34
